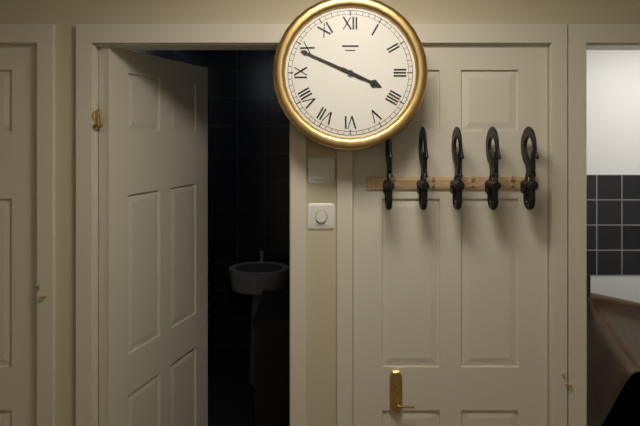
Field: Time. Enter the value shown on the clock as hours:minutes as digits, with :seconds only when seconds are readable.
3:49
